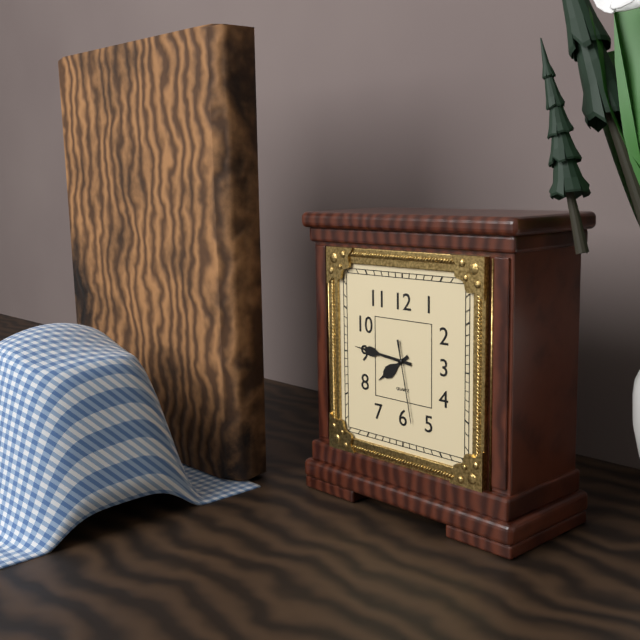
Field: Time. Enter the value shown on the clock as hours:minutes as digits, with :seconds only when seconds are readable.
7:46:28
